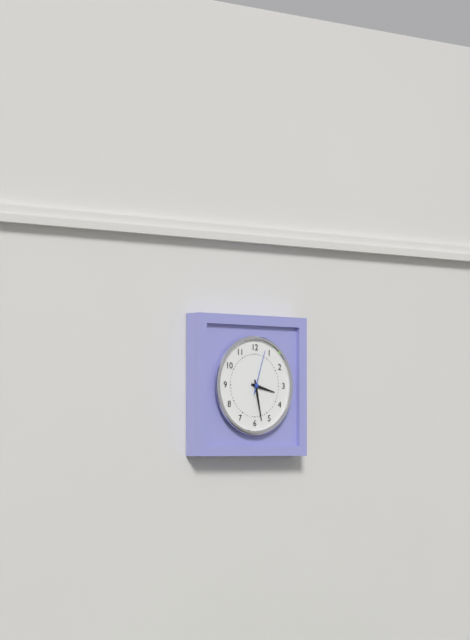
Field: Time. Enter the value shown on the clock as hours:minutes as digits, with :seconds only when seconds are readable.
3:28
